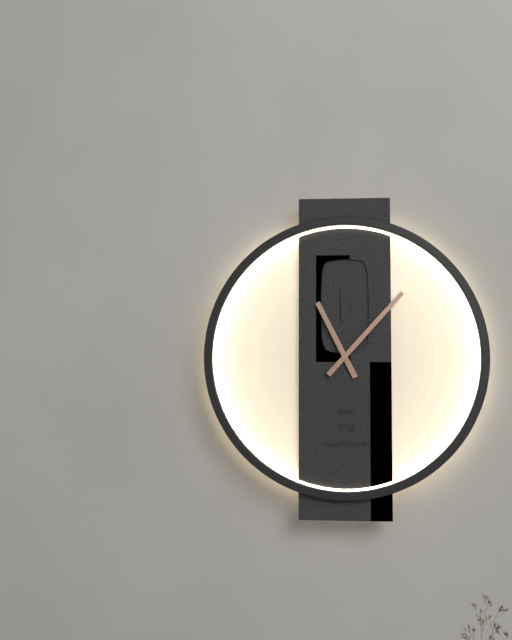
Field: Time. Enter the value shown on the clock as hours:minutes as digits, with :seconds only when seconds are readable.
11:07
